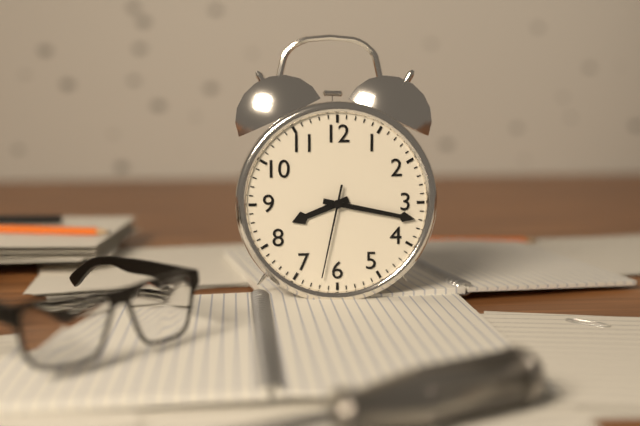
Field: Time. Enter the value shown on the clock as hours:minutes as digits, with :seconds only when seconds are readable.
8:17:32
